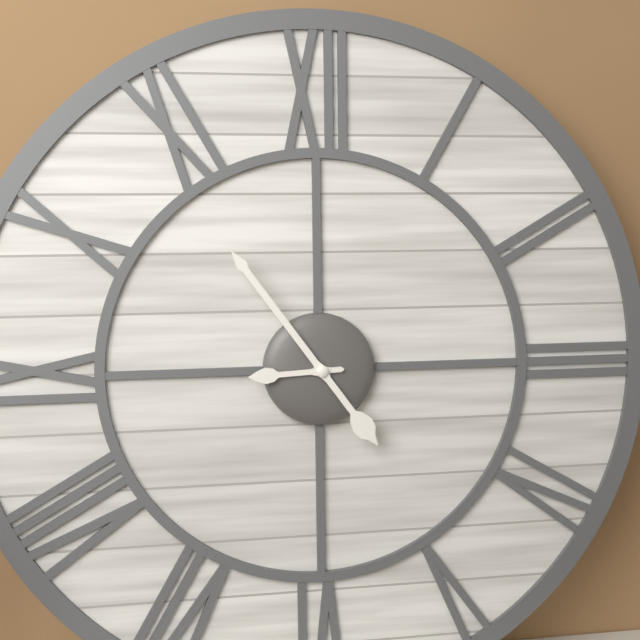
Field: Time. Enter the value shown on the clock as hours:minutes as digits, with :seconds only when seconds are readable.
8:54
